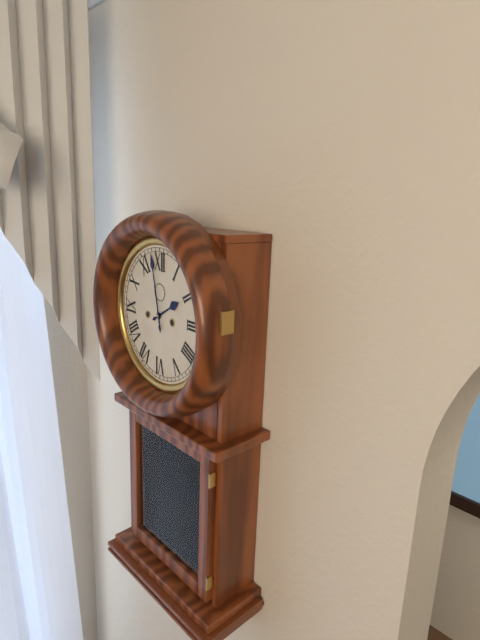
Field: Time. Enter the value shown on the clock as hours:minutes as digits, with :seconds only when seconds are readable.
1:58
